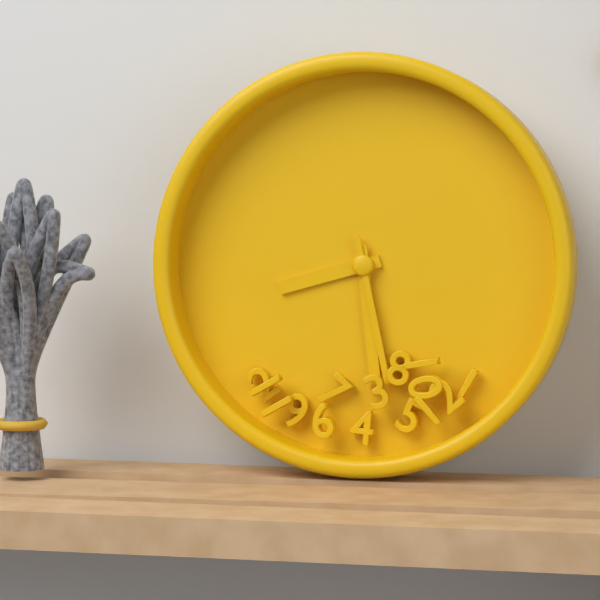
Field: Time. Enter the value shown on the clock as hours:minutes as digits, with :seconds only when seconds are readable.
8:29:28
